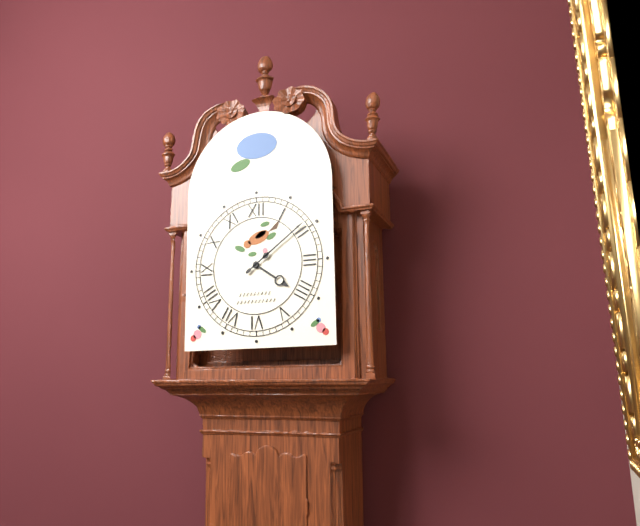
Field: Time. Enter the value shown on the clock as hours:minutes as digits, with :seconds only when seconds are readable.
4:09
